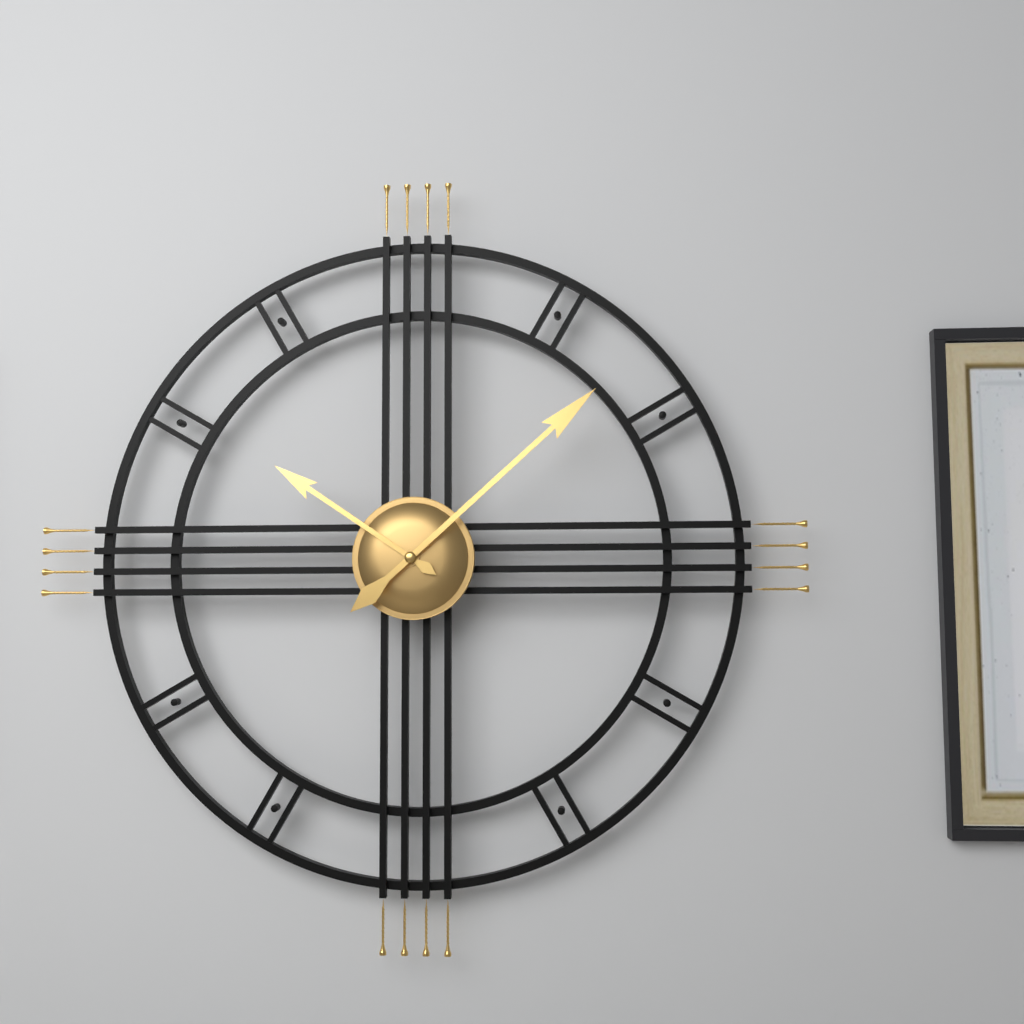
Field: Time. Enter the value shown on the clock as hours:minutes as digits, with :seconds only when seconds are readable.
10:08
